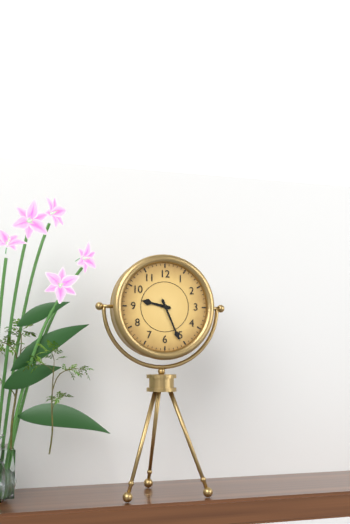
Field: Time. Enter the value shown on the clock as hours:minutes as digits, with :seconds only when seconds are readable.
9:26
